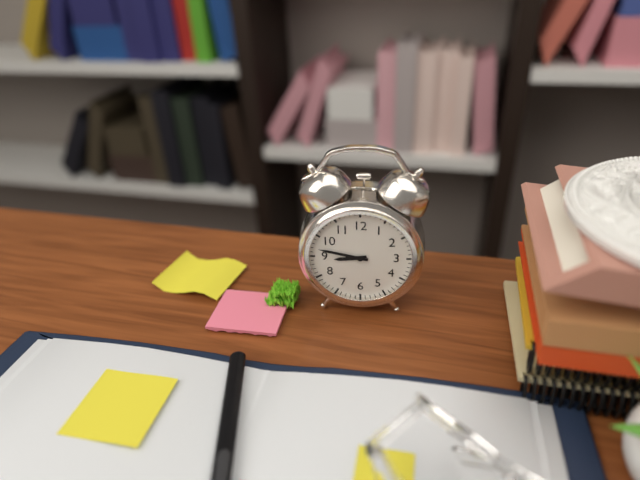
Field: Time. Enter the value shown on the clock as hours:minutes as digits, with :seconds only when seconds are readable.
8:47
